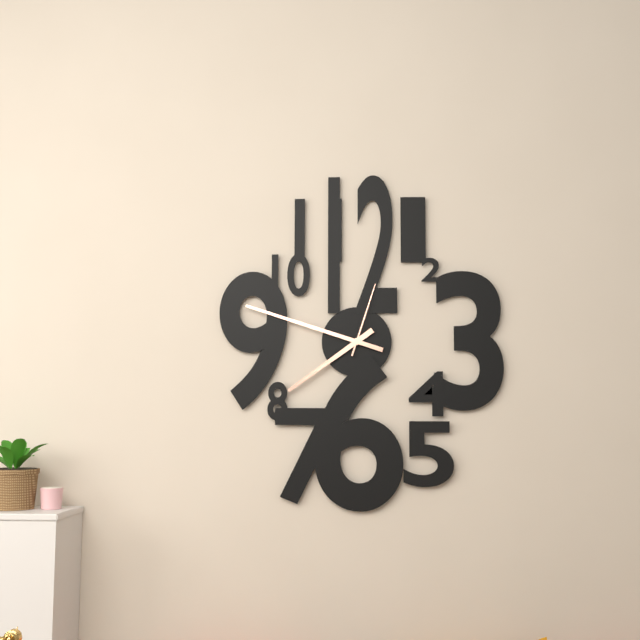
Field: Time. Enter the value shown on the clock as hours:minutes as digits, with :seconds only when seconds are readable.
7:48:03
